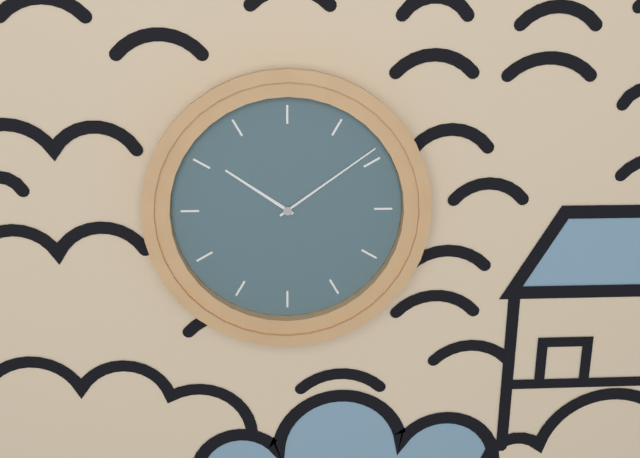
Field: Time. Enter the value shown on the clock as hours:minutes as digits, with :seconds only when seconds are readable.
10:09
